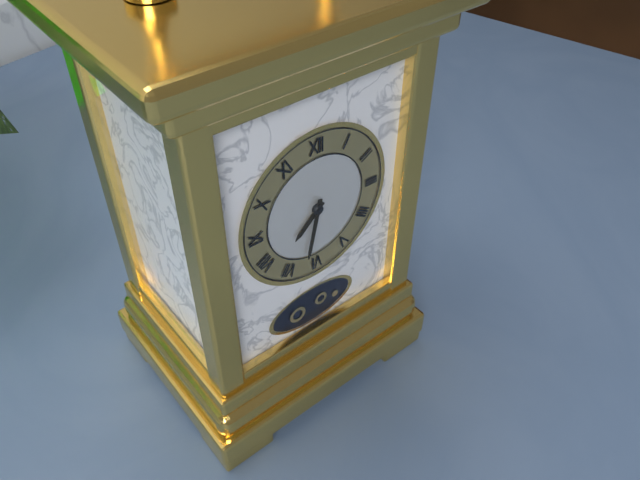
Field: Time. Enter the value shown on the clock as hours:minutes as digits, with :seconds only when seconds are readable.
7:32
